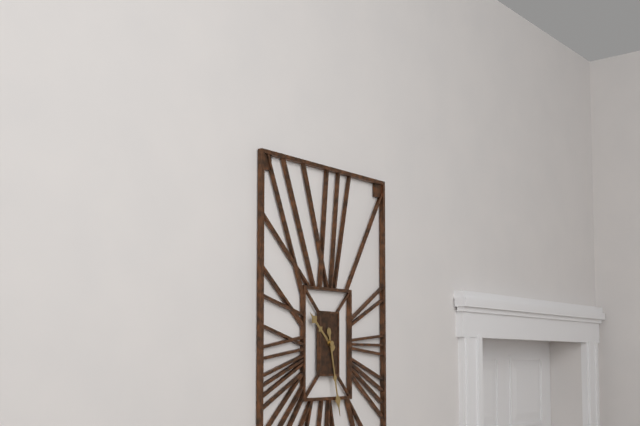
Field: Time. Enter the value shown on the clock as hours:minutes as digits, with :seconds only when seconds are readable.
10:28
